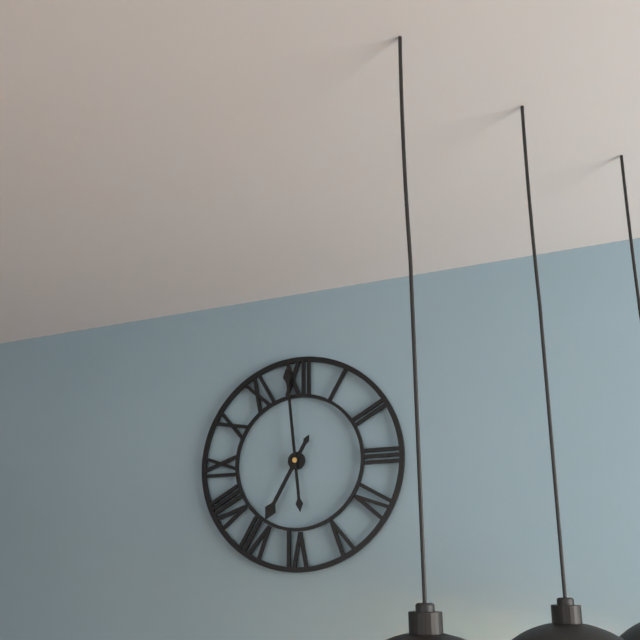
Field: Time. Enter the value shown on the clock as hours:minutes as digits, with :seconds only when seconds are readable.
6:59
